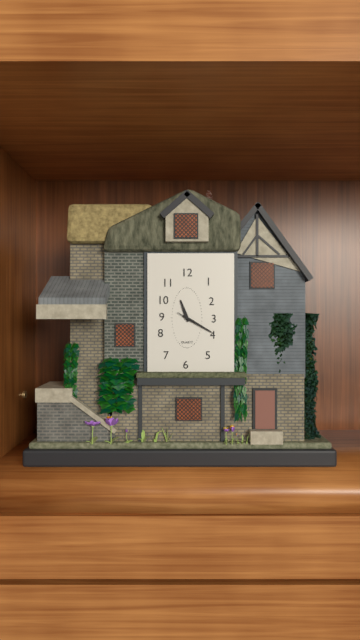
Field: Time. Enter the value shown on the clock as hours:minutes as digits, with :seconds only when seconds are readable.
11:20
